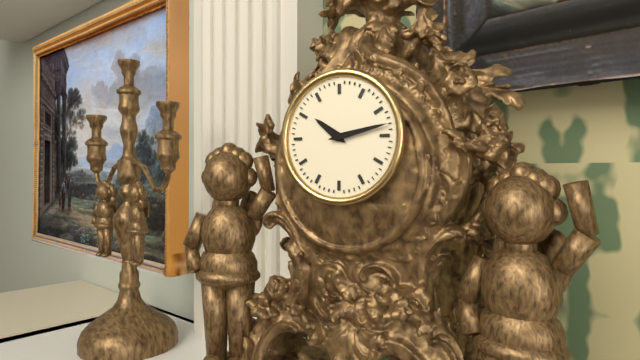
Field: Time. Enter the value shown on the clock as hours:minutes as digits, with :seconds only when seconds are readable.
10:13
